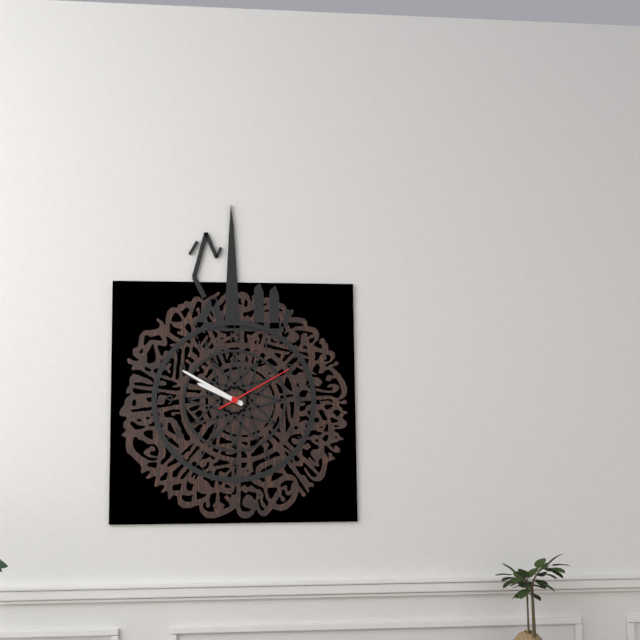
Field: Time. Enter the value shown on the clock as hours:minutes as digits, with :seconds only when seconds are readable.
9:50:10
